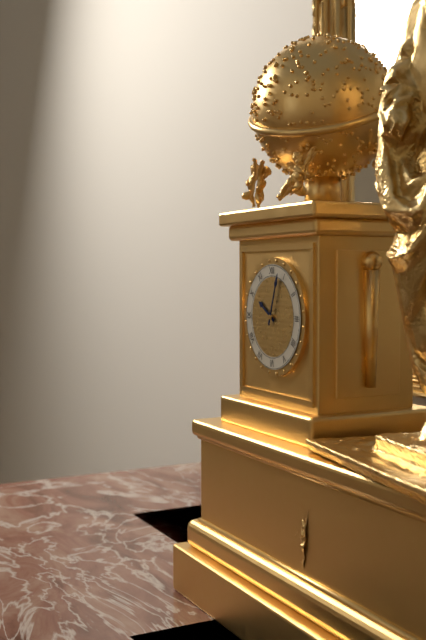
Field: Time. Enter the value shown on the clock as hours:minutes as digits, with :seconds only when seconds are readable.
10:03
